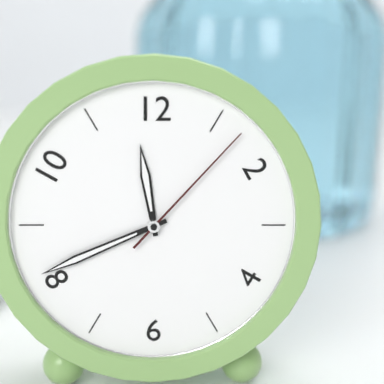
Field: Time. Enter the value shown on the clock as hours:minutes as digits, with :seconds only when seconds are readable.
11:41:07
